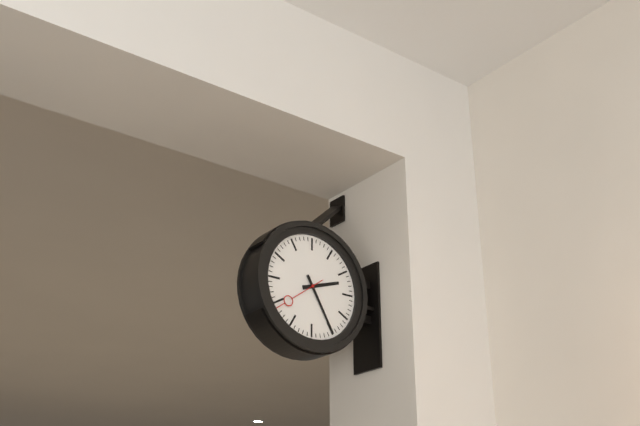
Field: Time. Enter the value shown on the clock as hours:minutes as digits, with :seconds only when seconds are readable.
2:25:39
